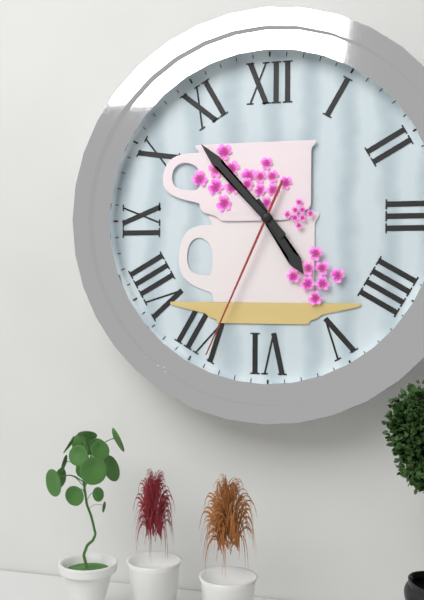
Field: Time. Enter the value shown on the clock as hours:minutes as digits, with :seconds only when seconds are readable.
4:53:34
